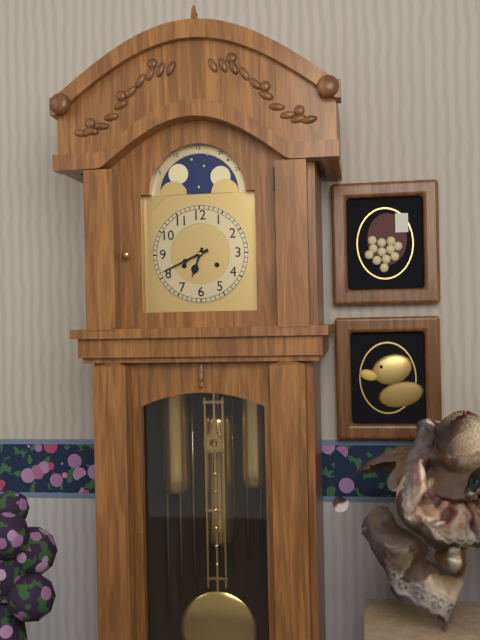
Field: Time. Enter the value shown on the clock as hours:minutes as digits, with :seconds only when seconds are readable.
6:41
